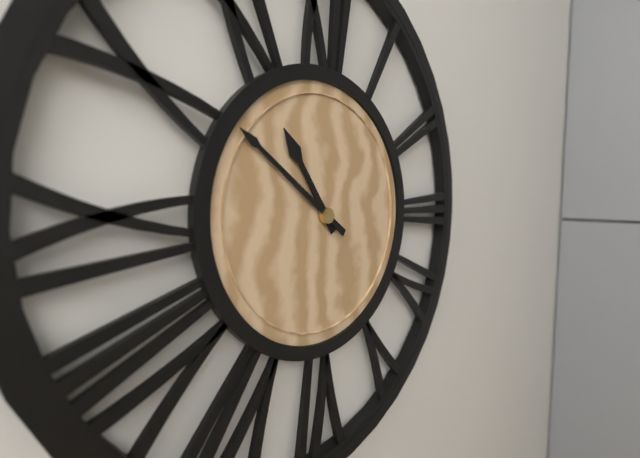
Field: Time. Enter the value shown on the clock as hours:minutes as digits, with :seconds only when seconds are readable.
10:51
